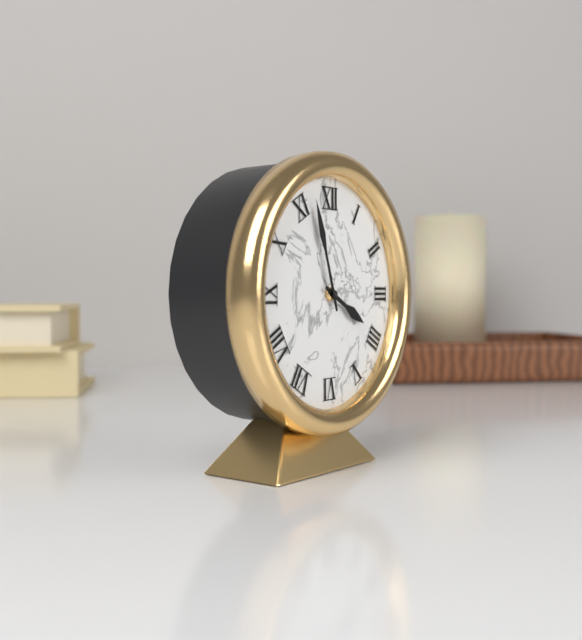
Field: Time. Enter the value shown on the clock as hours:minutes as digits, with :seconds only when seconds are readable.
3:57
